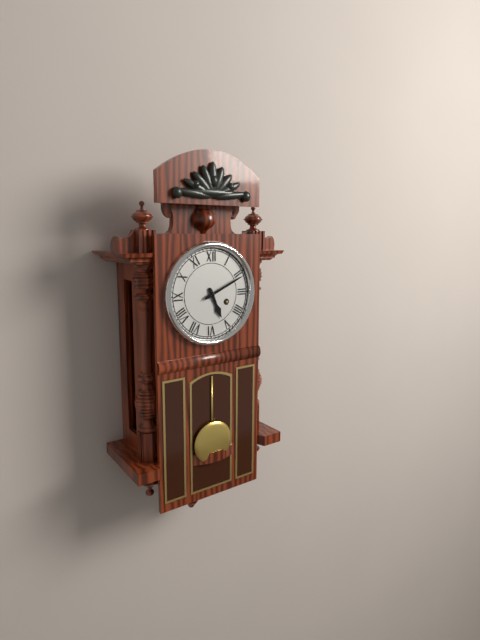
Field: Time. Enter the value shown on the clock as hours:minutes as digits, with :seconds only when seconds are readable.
5:11
